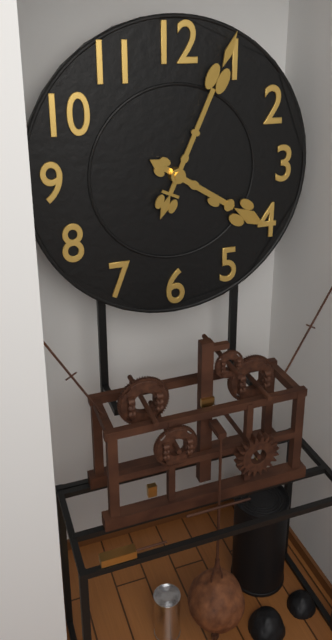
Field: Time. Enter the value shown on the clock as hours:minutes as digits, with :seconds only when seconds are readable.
4:04
